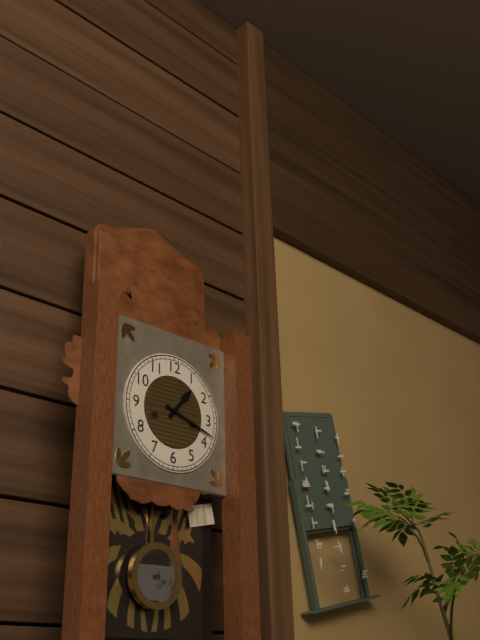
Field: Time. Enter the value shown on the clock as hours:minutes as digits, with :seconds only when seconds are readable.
1:18
